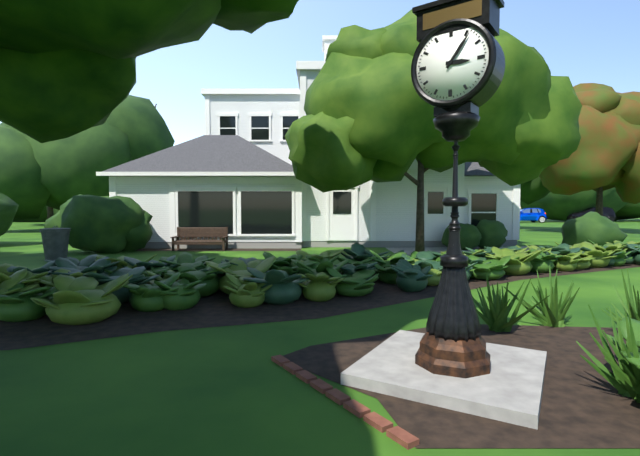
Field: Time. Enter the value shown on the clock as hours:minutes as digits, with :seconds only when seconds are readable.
3:06
